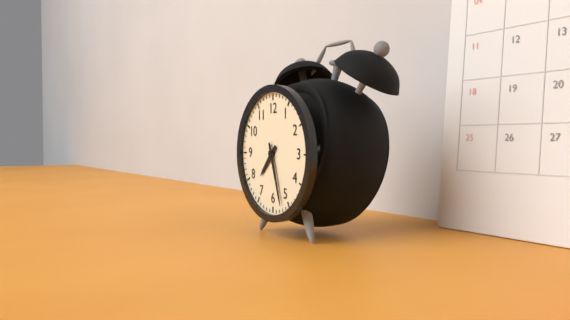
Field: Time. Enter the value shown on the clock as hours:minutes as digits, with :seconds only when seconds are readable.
7:27
